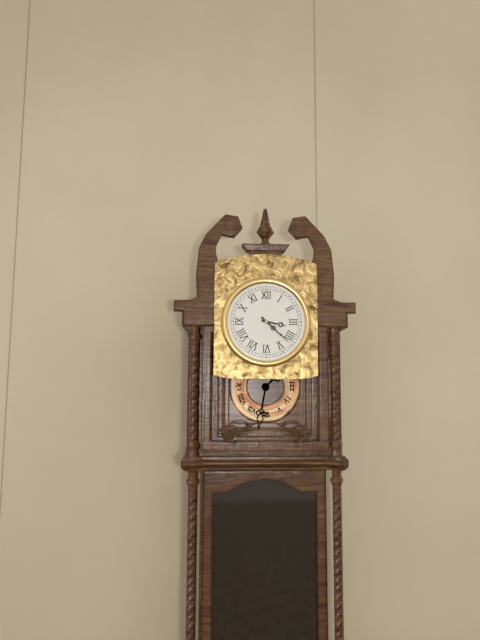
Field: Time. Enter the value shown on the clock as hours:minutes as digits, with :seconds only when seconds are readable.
3:22
